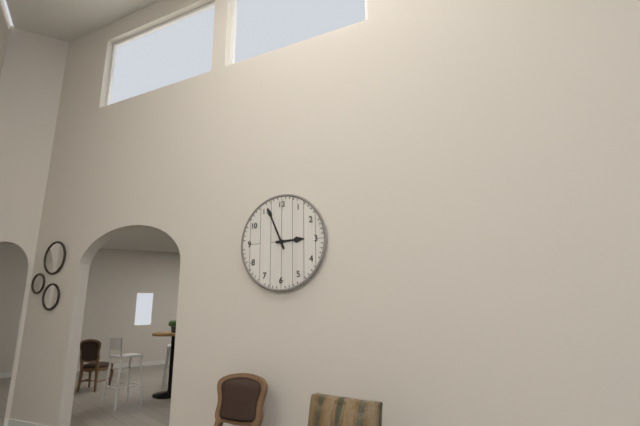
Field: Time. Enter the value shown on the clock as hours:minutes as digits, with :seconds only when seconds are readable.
2:56
